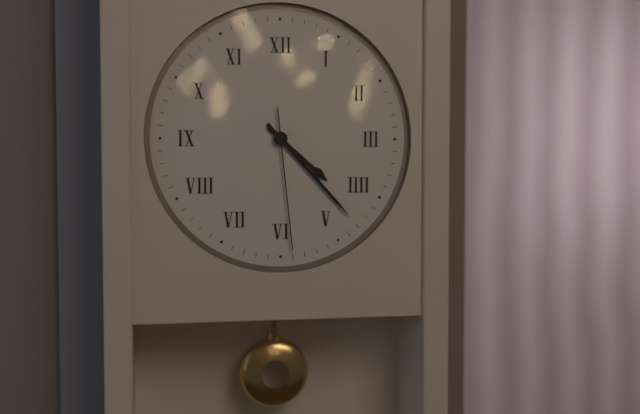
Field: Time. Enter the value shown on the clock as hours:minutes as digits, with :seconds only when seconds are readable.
4:23:29
